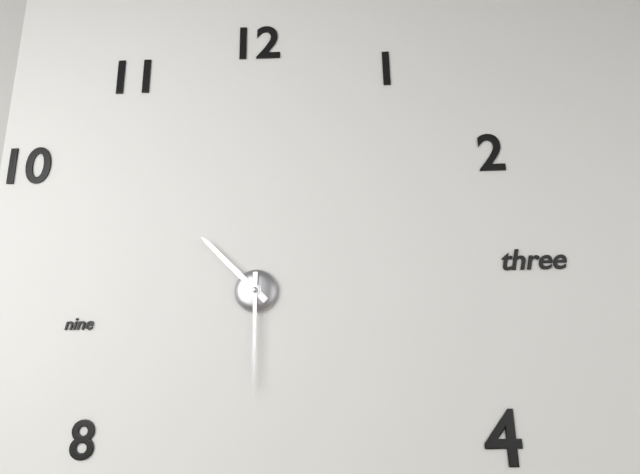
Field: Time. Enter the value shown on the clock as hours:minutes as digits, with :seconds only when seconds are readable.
10:30
